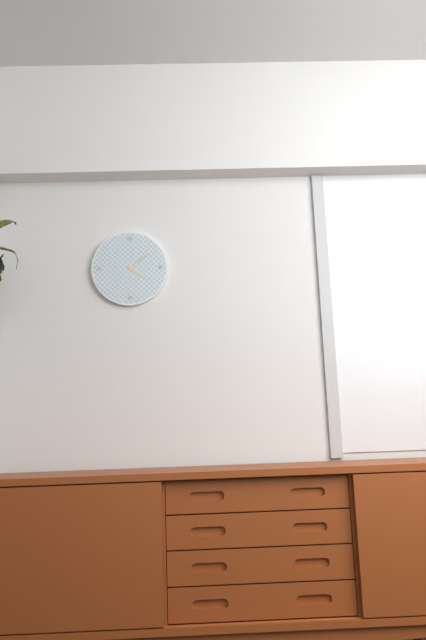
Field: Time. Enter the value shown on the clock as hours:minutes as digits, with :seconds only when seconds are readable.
4:09
